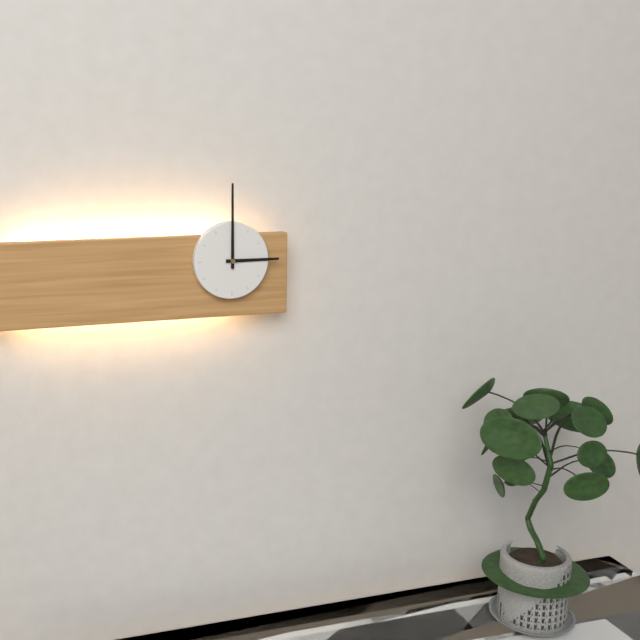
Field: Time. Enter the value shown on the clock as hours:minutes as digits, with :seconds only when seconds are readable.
3:00
